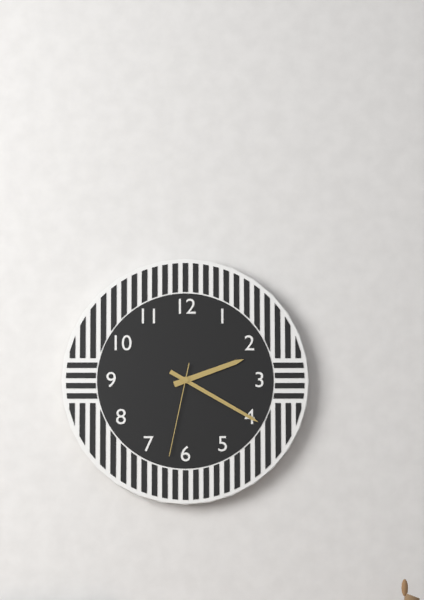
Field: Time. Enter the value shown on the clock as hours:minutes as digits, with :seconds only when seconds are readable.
2:20:32
